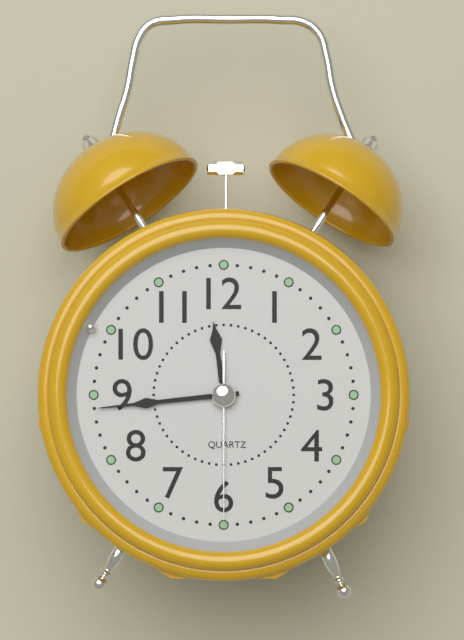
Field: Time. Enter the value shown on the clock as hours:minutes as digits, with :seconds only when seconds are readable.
11:44:30
